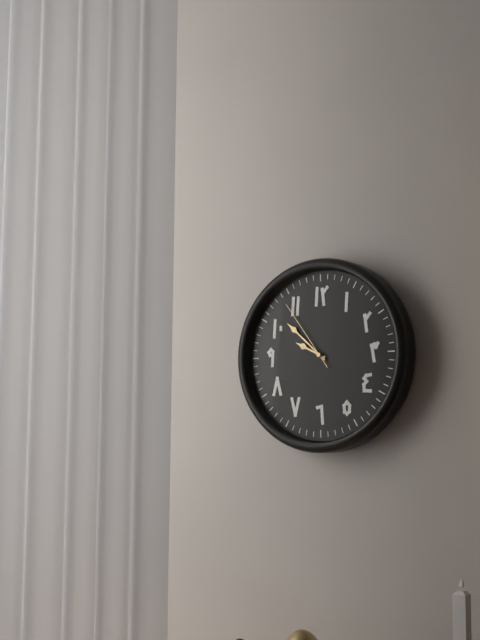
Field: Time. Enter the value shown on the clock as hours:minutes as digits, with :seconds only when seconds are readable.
9:52:54
